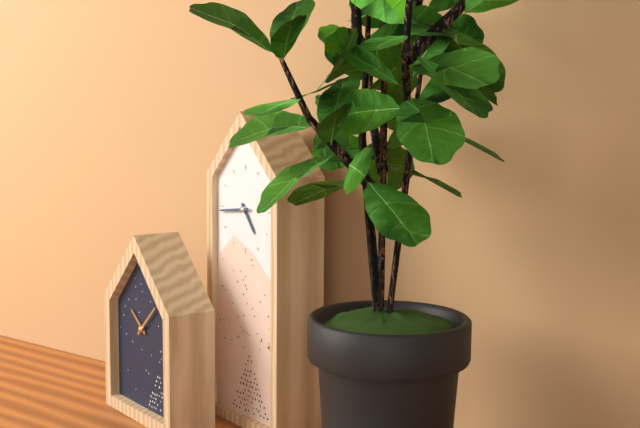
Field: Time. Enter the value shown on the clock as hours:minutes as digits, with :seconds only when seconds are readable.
4:44
